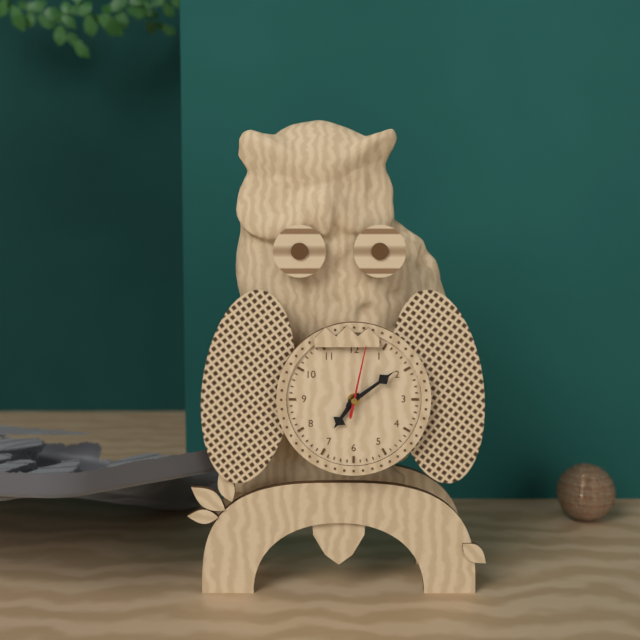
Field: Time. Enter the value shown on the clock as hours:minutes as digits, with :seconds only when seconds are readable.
7:09:02
